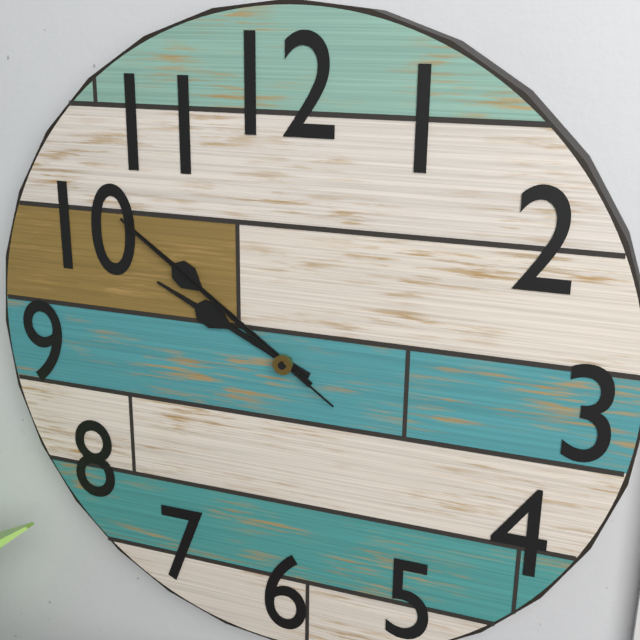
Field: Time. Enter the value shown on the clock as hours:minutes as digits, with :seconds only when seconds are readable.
9:51:51
